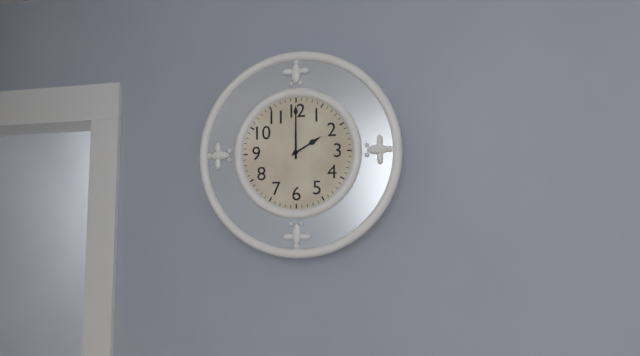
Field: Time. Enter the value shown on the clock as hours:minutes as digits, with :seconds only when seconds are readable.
2:00
